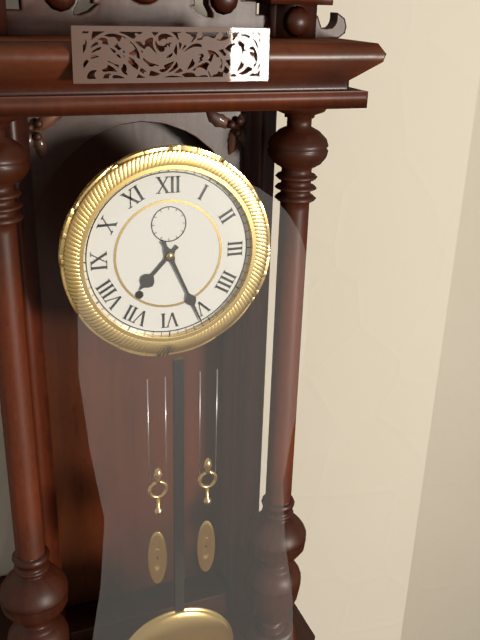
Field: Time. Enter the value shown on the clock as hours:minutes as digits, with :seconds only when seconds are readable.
7:26
